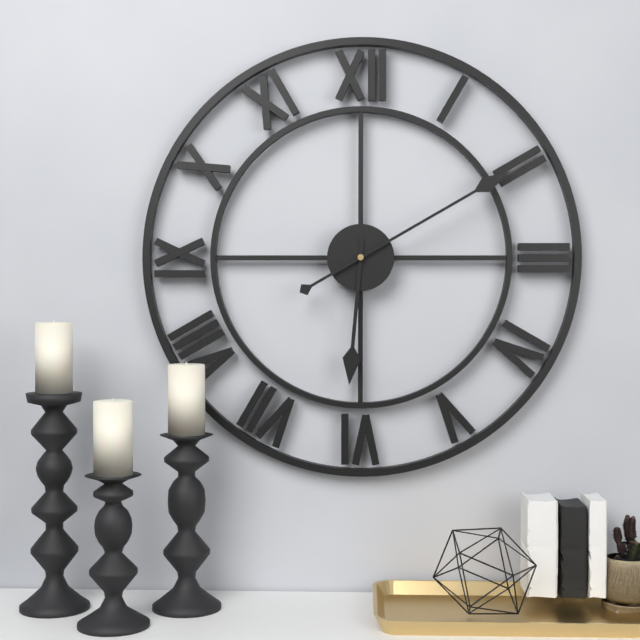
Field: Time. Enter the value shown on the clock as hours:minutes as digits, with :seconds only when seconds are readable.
6:10
